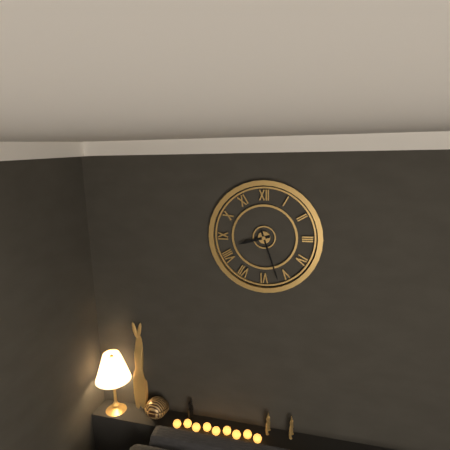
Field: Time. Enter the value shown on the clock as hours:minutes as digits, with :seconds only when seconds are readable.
8:27
